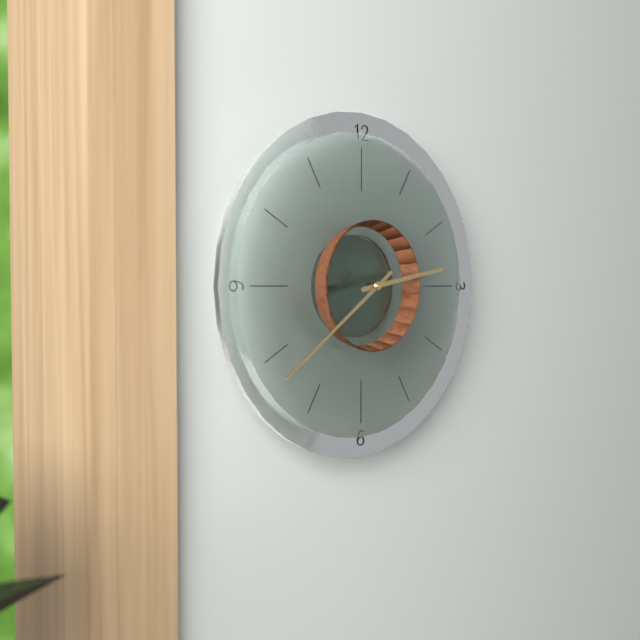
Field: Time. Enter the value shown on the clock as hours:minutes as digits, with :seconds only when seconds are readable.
2:39
